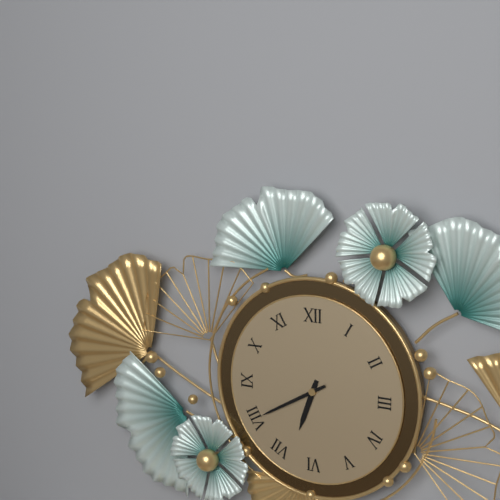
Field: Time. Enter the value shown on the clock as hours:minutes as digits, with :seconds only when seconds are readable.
6:40
